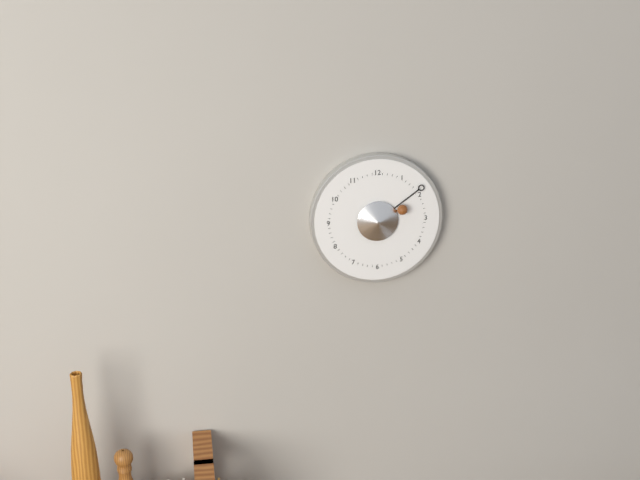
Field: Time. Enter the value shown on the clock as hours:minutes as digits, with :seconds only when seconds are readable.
2:09
